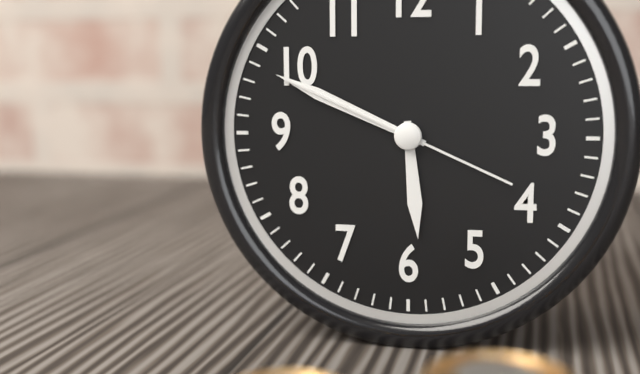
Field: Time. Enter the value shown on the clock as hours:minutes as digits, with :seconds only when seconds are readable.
5:49:49
